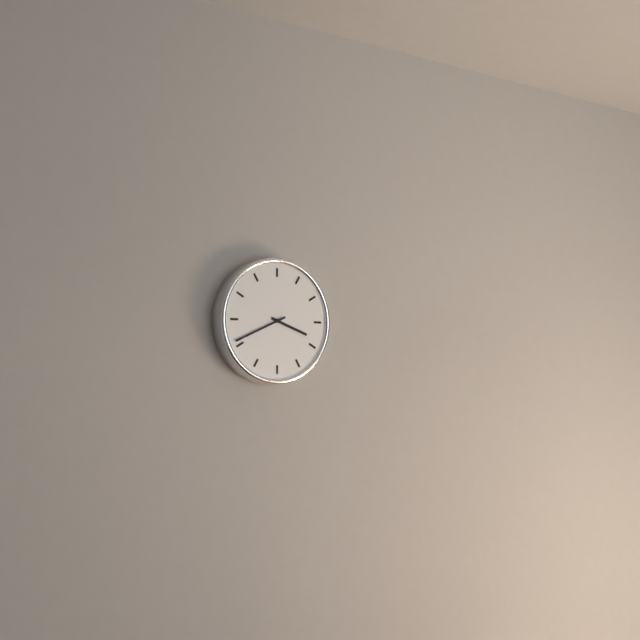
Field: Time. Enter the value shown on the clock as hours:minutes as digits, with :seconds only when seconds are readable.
3:41
